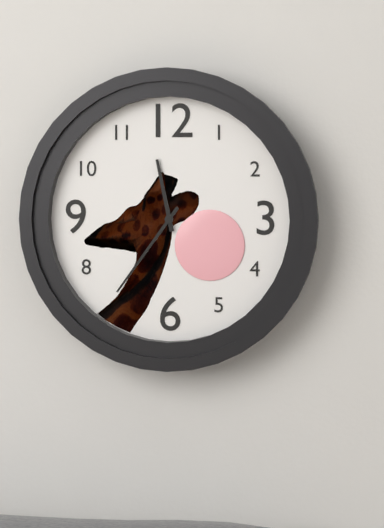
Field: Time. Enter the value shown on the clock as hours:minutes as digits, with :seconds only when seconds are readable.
11:36
